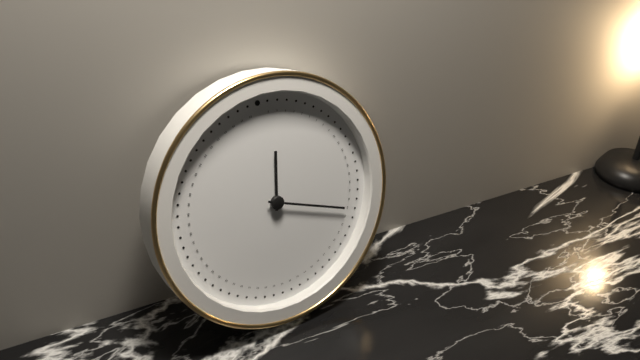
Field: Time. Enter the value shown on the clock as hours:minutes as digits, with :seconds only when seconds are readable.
12:19
